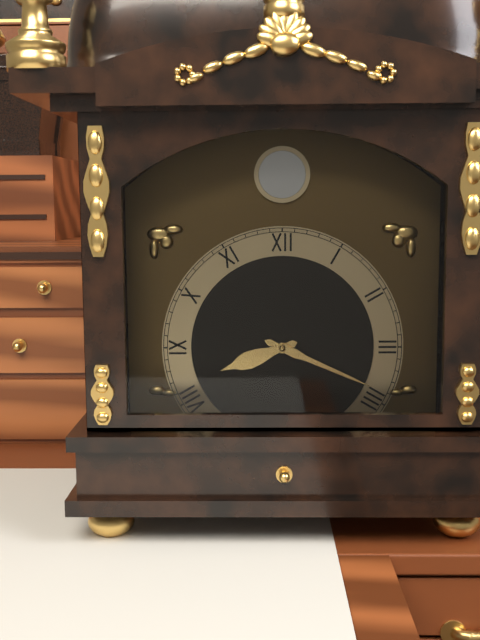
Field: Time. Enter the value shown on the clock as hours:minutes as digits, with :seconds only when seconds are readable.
8:19
